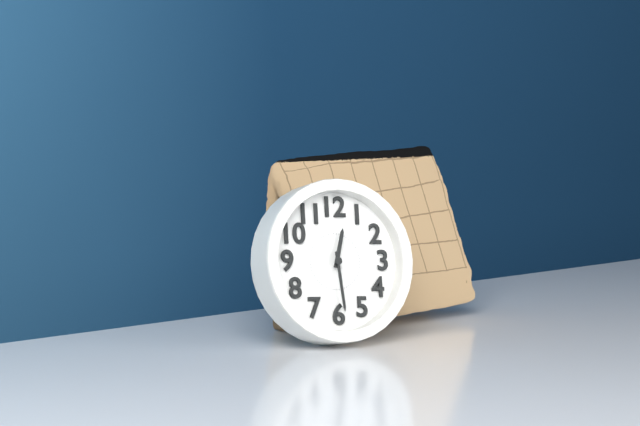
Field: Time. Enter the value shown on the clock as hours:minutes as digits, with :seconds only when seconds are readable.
12:29
